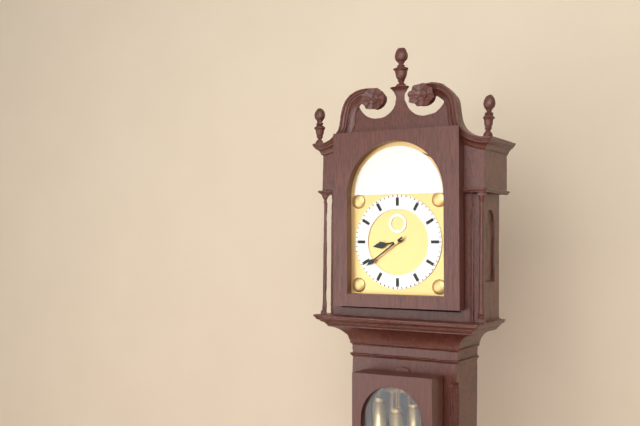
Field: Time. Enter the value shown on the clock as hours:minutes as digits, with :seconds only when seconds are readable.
8:39
